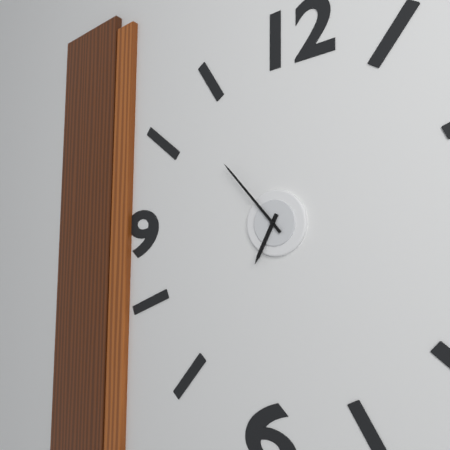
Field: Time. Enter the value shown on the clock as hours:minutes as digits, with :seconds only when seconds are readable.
6:53
